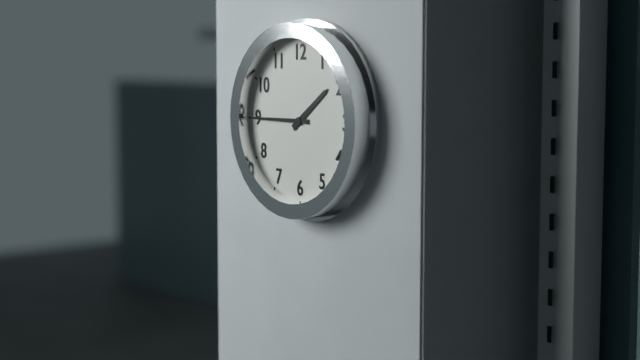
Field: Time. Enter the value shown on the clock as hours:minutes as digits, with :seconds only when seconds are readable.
1:45
